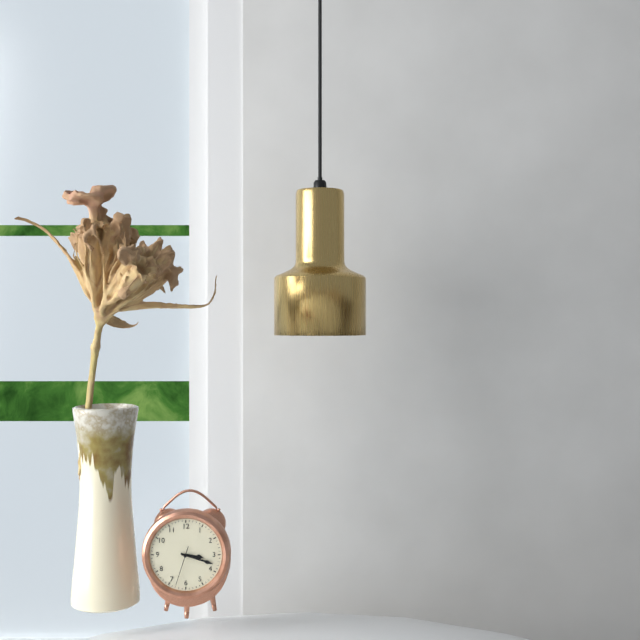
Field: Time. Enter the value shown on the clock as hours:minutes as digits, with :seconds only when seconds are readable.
3:18
